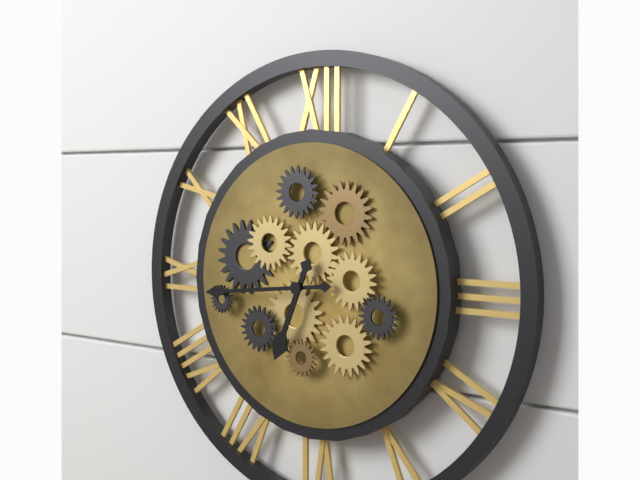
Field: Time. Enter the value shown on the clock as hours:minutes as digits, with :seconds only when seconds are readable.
6:44
